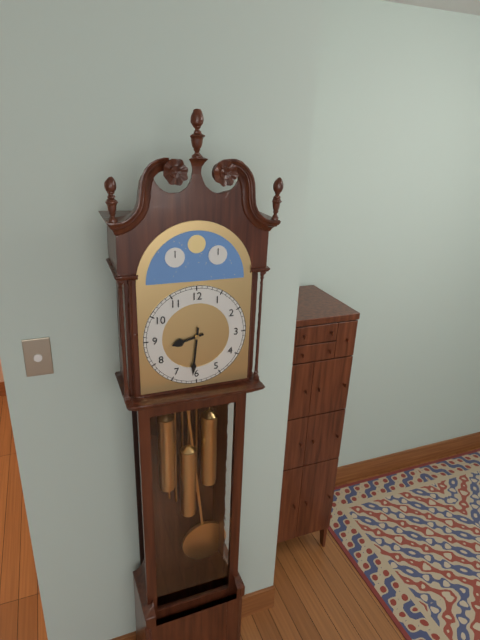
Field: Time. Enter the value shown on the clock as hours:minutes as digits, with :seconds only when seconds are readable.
8:31
